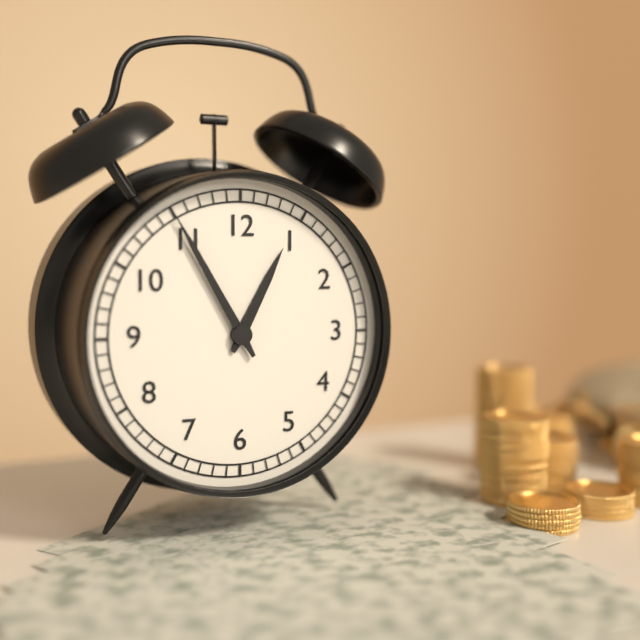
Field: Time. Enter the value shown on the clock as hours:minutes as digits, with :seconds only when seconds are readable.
12:55
